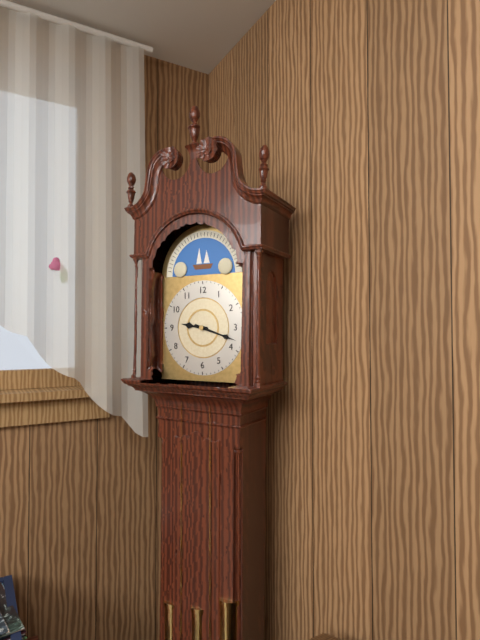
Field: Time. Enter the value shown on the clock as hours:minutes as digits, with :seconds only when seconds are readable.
9:18
